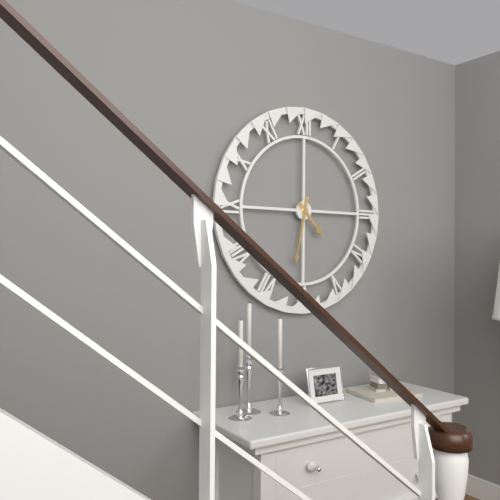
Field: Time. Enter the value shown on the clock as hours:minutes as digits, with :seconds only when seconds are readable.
4:32
